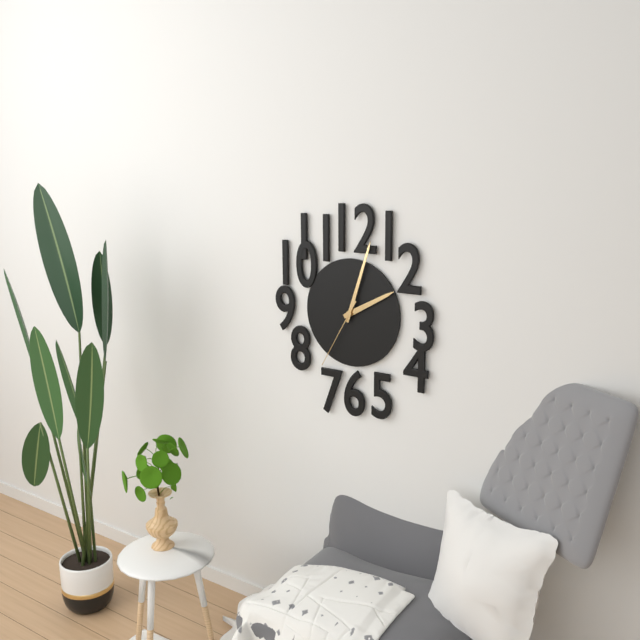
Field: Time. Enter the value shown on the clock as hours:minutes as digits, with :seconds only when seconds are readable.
2:03:35
